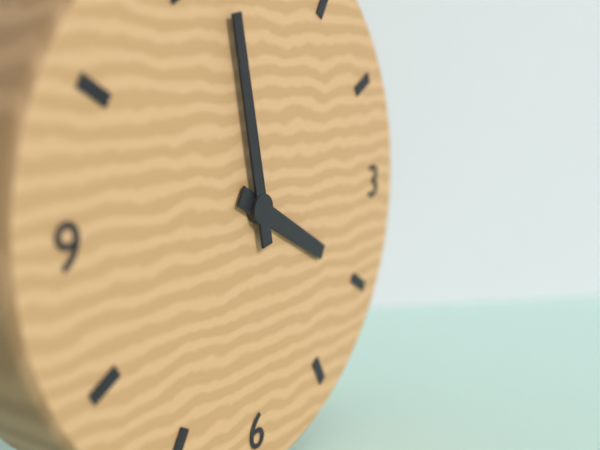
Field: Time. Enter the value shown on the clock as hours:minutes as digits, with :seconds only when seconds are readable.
3:58
